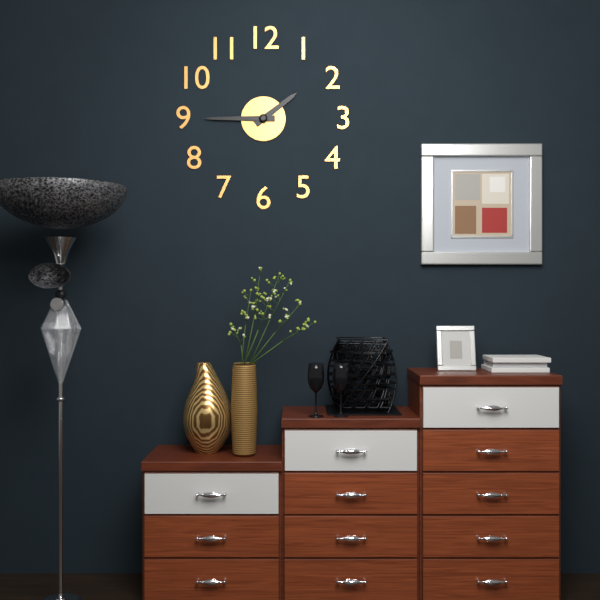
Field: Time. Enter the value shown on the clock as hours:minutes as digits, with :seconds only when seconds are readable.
1:45
